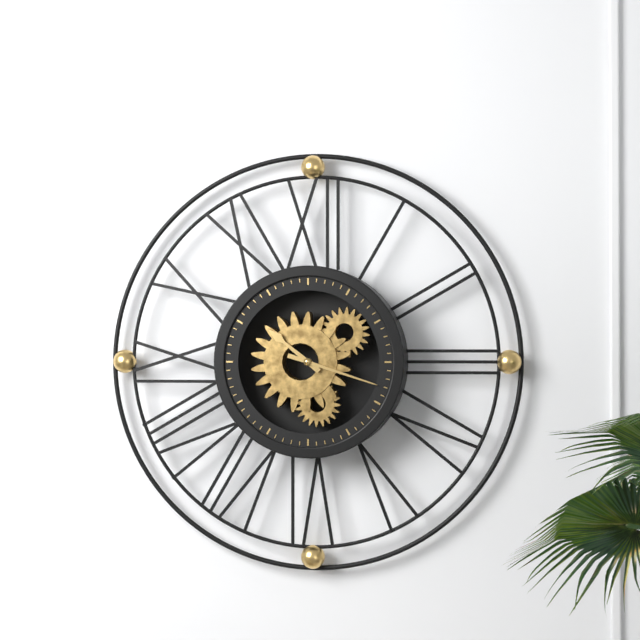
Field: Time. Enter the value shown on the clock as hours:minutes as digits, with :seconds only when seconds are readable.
10:18
